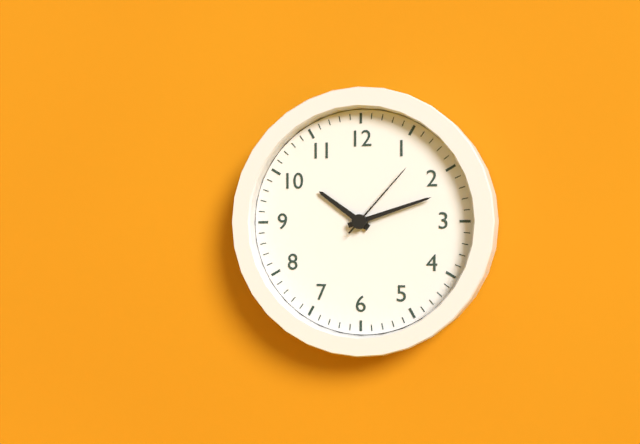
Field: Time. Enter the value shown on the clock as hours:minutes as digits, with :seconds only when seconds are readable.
10:12:07
